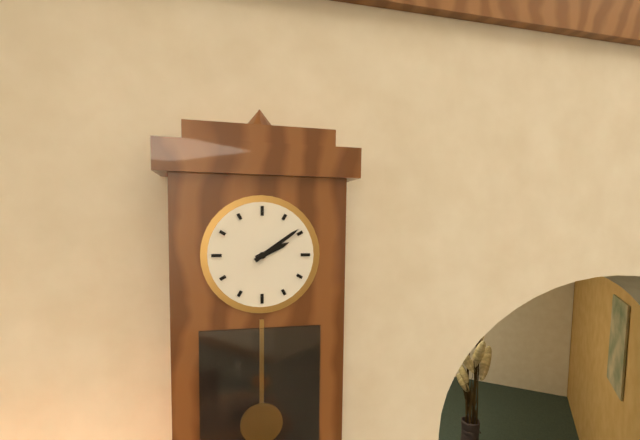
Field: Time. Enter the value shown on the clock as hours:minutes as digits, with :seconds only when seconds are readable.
2:09
